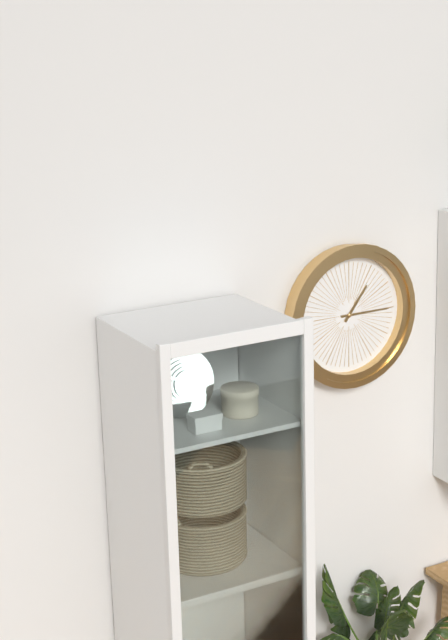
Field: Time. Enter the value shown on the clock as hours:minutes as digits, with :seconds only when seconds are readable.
1:15
